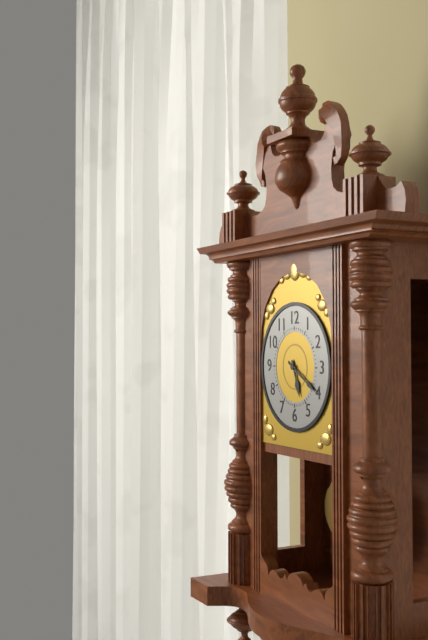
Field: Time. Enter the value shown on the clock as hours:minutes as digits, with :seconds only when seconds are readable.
5:20
